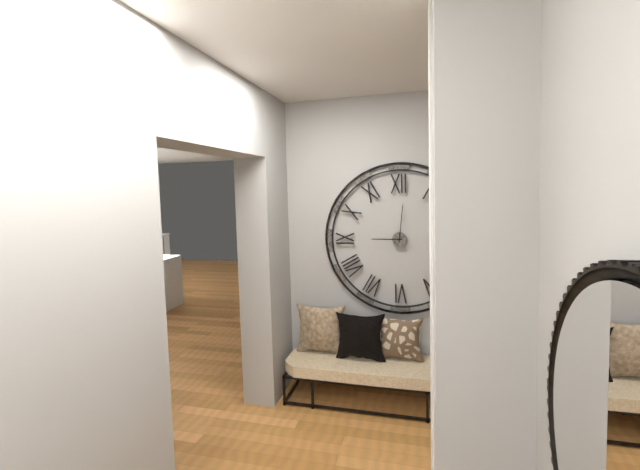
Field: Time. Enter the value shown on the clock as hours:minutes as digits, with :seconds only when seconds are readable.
9:01
